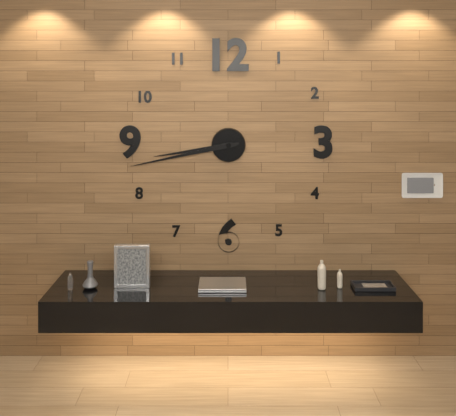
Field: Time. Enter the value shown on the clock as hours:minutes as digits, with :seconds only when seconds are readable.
8:43
